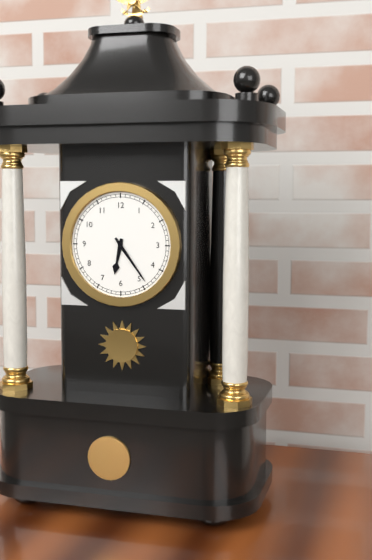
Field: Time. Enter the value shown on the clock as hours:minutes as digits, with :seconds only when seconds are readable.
6:24
